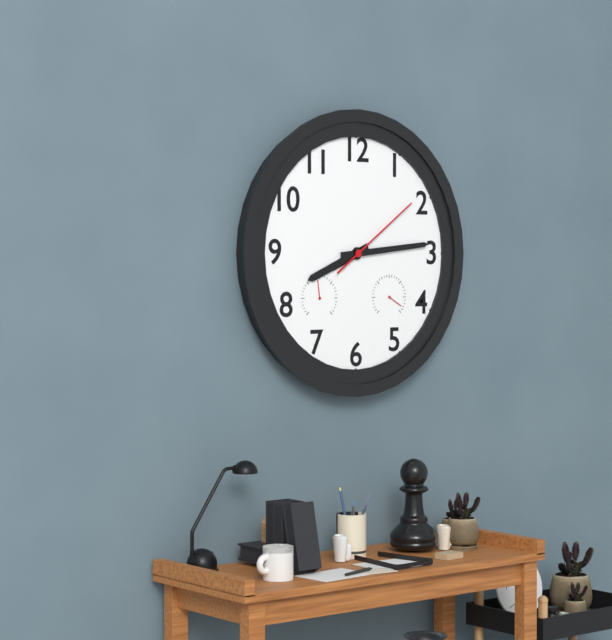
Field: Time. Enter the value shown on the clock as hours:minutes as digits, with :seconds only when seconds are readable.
8:14:09
